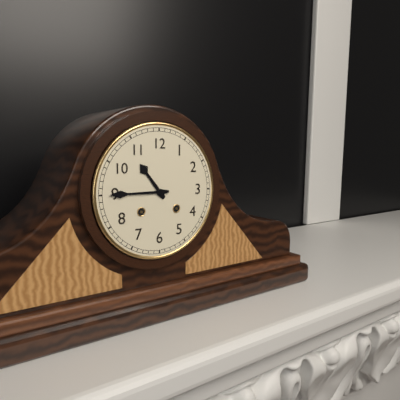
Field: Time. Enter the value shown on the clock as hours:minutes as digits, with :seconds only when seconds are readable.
10:45
